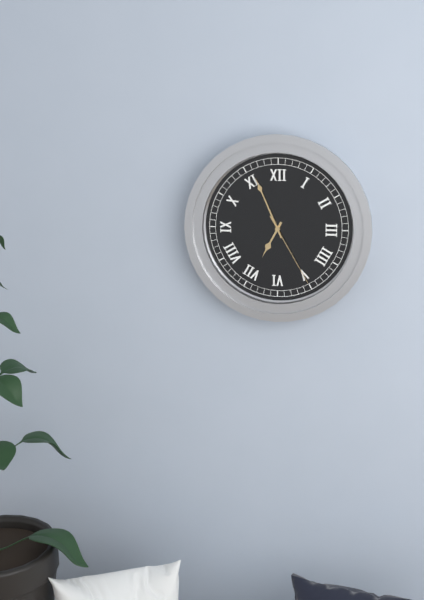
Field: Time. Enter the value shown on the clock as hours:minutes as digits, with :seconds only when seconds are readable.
6:56:25
